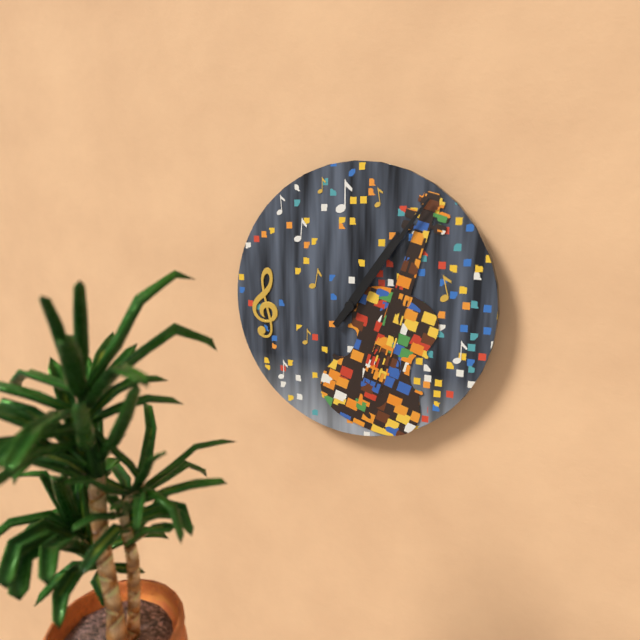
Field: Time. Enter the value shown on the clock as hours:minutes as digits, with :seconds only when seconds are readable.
1:06
